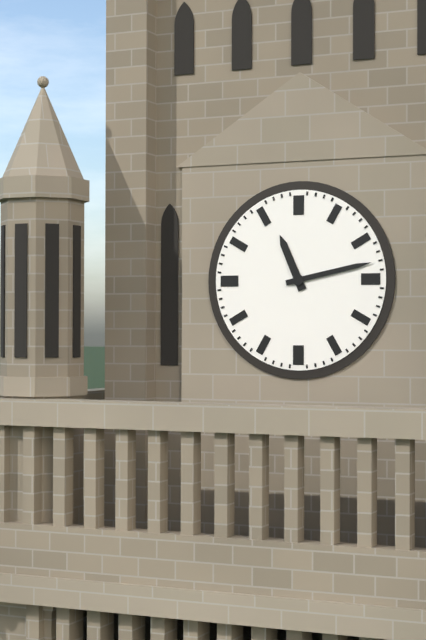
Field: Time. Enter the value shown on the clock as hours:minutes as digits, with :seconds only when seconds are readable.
11:13
